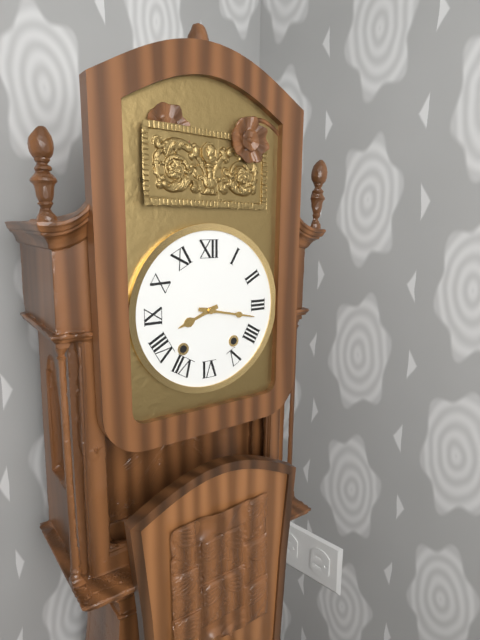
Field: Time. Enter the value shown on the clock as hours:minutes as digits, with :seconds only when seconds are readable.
8:17
